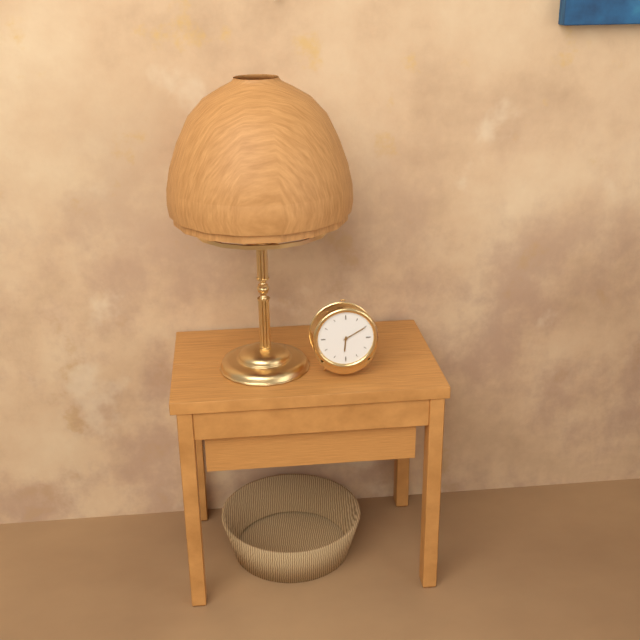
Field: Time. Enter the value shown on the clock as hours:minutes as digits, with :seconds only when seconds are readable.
6:10
